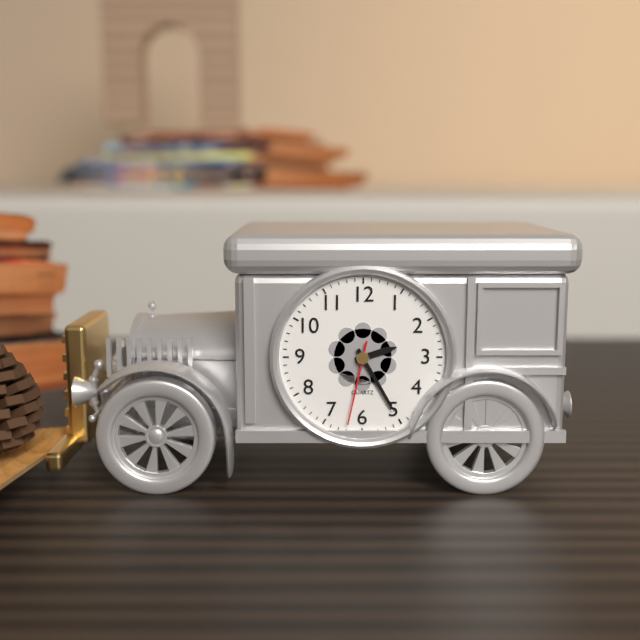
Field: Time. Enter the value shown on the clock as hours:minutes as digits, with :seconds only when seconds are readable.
2:25:32
